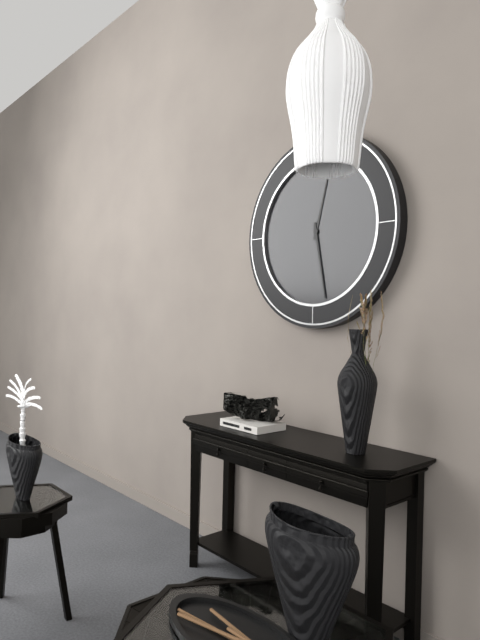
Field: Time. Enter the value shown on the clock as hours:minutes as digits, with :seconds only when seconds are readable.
12:28
